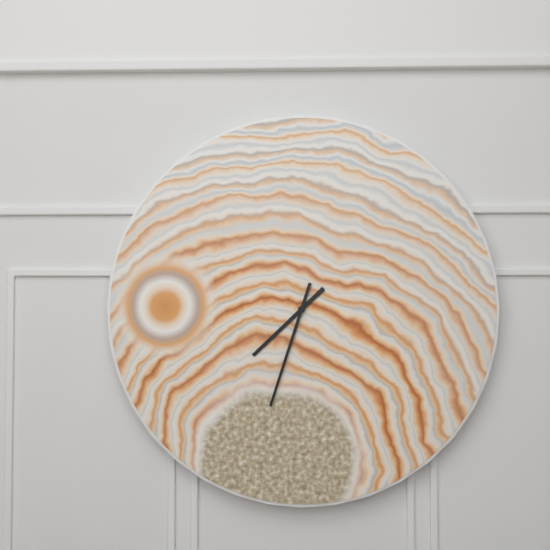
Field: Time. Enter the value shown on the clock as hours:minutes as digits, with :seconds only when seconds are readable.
7:33
